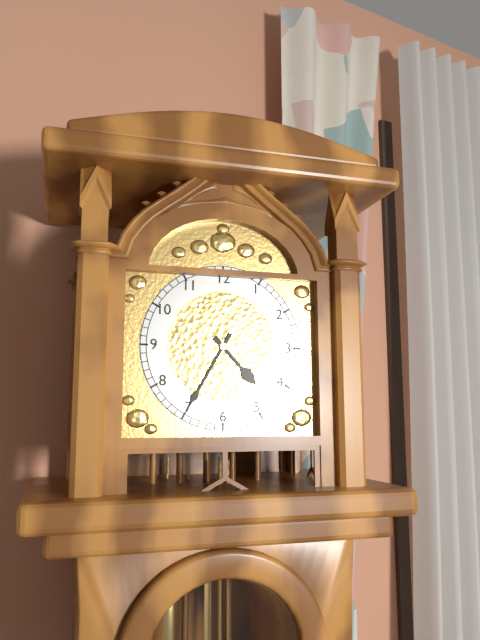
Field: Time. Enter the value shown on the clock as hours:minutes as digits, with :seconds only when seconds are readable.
4:35
